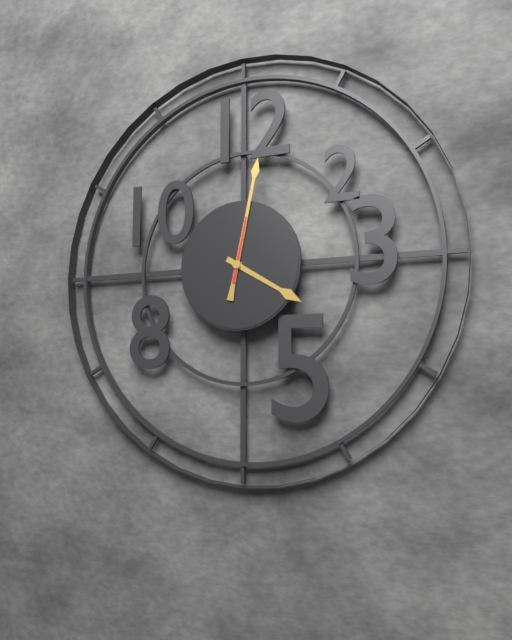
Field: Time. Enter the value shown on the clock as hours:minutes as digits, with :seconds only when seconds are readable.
4:02:02
